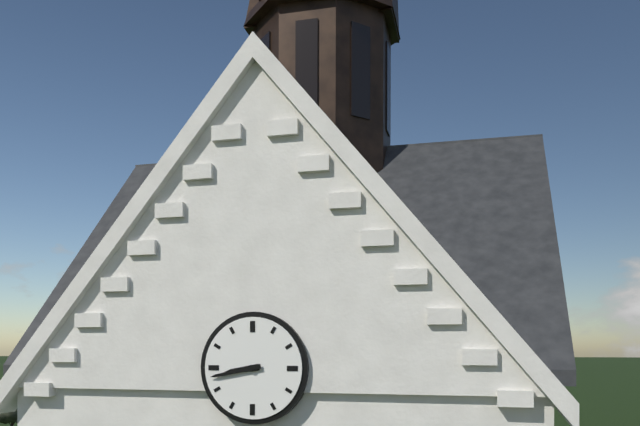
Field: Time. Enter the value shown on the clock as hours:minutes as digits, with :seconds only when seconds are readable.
8:43
